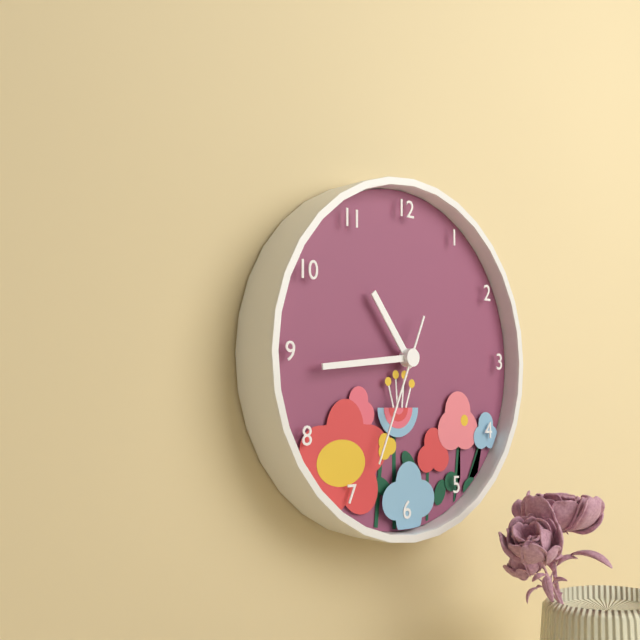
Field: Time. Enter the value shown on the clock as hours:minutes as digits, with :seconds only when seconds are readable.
10:44:34
